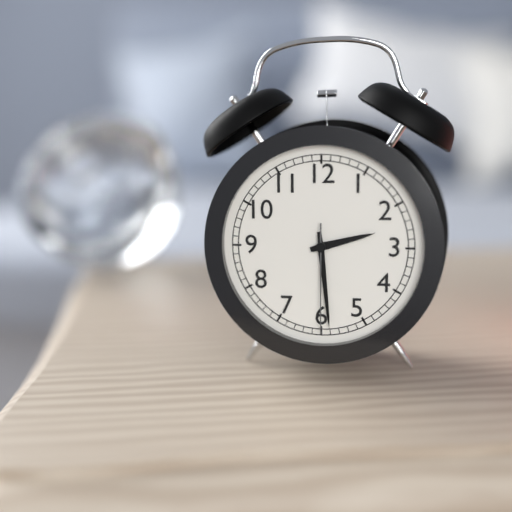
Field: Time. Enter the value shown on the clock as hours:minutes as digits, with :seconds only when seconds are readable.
2:29:30
